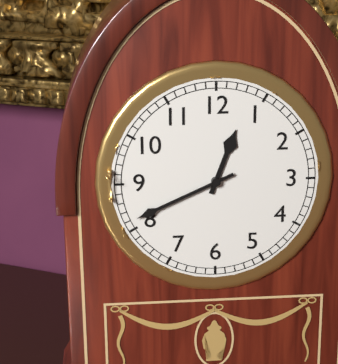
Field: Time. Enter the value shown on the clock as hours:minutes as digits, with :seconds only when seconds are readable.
12:41
